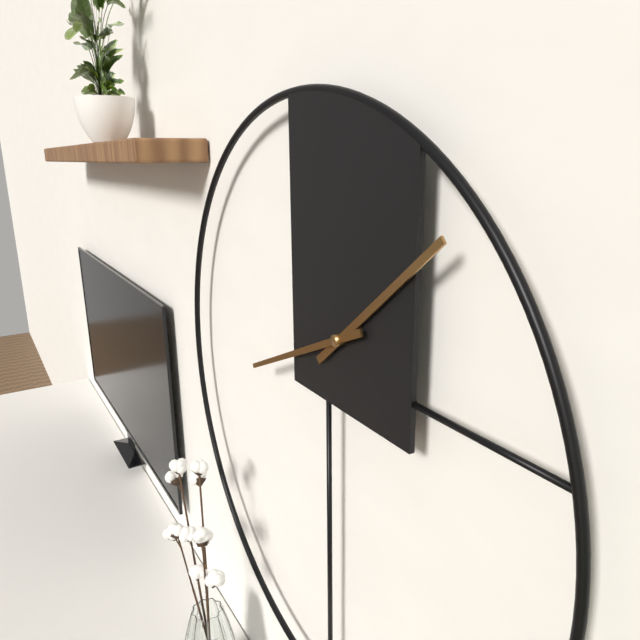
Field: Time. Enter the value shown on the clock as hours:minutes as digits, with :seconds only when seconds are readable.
1:41
